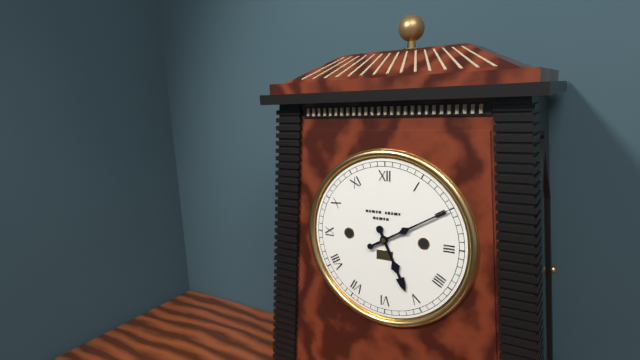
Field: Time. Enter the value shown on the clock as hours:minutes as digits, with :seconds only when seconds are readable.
5:10
